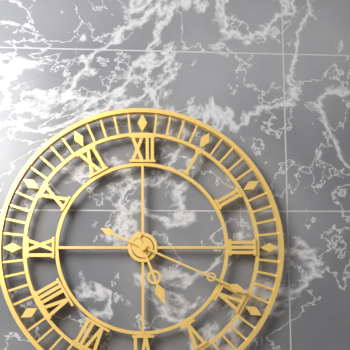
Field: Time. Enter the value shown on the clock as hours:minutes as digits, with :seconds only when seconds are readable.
5:19
